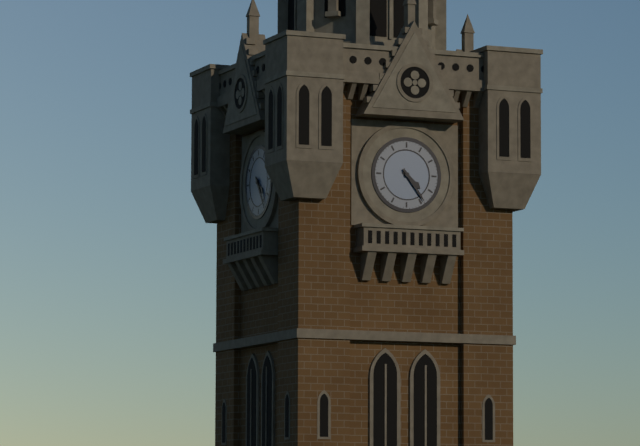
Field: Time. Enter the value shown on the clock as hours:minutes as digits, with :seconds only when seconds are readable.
4:24
